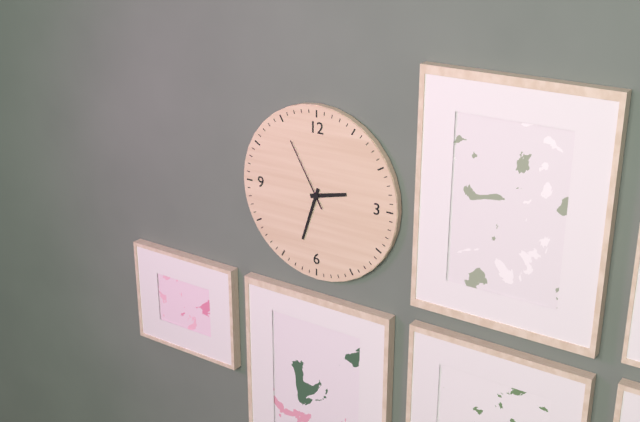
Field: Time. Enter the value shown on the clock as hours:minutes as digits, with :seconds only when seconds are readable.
2:33:55
